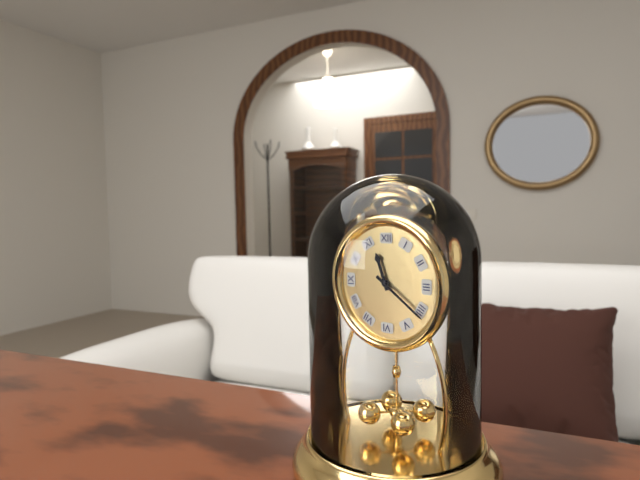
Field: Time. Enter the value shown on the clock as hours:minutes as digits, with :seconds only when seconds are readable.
11:21
